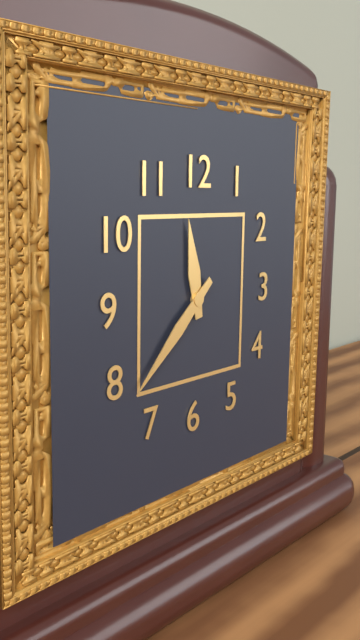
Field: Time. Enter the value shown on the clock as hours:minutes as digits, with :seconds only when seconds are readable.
11:38
